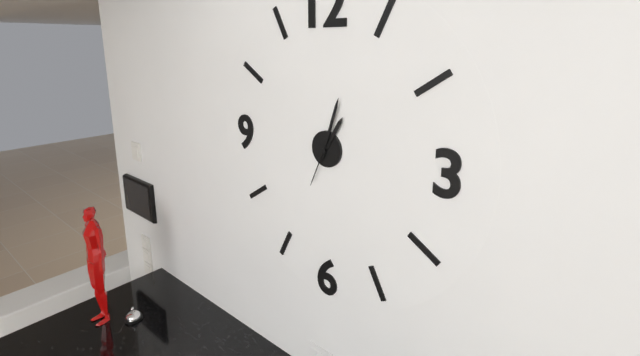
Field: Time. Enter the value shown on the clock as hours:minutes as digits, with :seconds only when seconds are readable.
1:03:34
